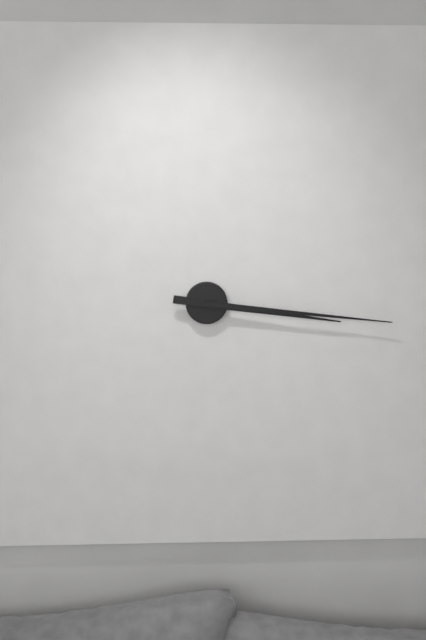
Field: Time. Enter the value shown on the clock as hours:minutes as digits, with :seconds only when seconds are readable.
3:16
